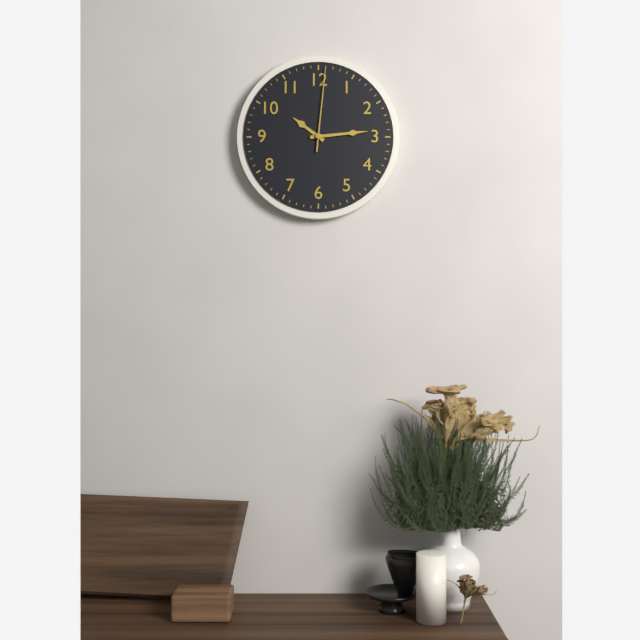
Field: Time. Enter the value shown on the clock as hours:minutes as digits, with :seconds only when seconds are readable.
10:14:01
